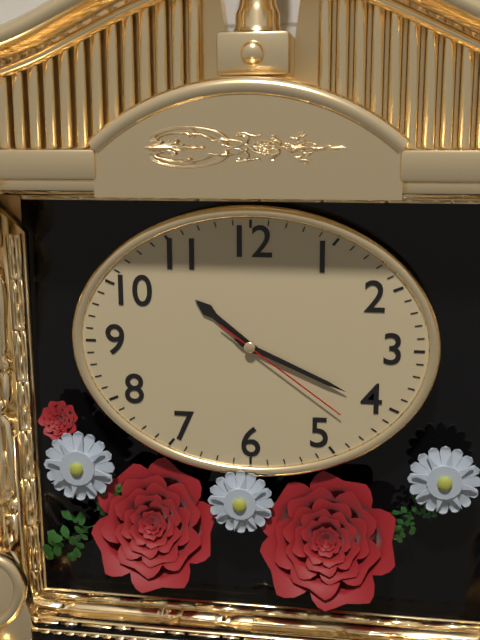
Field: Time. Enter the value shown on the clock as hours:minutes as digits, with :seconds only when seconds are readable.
10:19:21
